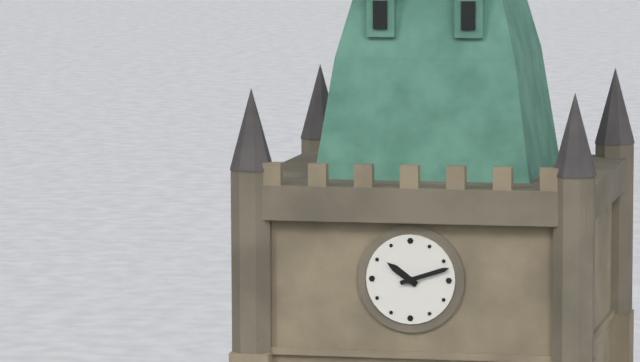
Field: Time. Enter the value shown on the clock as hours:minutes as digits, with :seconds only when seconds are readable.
10:12
